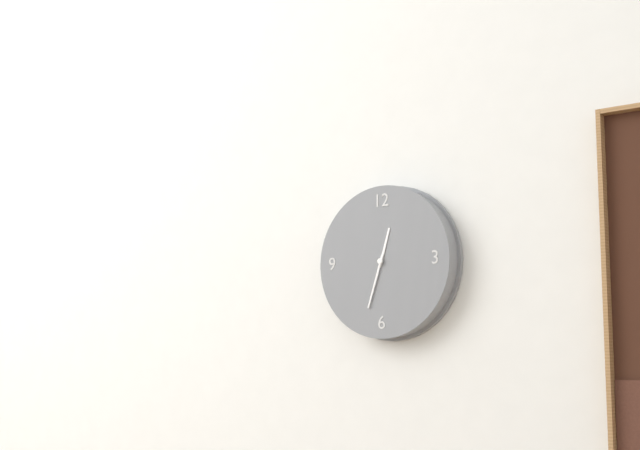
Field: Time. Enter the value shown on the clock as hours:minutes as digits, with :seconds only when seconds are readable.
12:33
